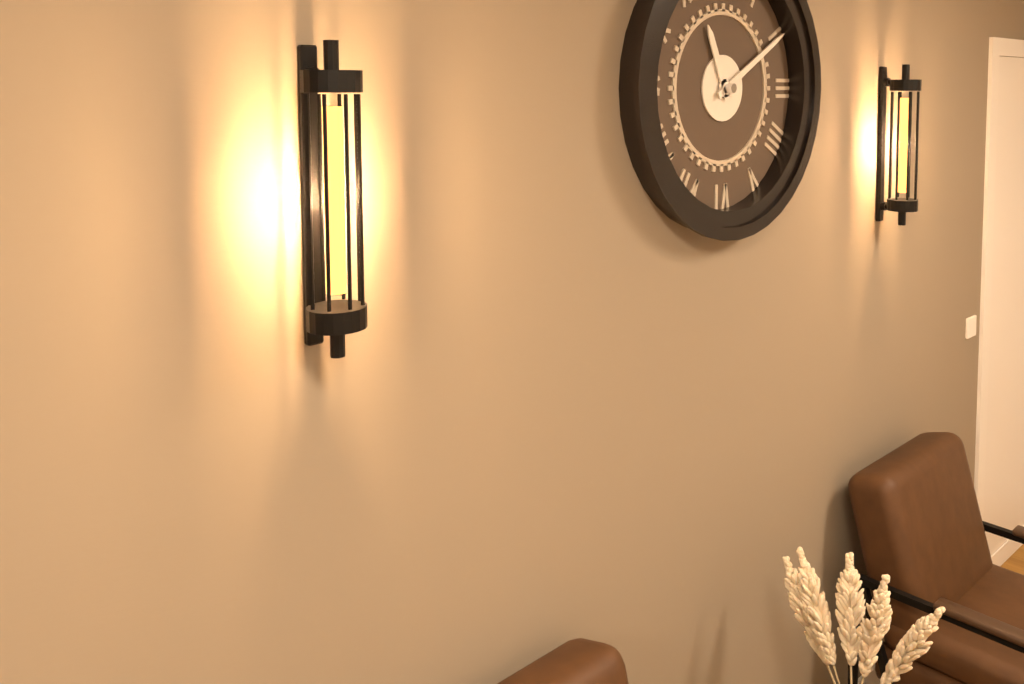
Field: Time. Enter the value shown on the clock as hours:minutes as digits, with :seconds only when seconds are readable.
11:10
